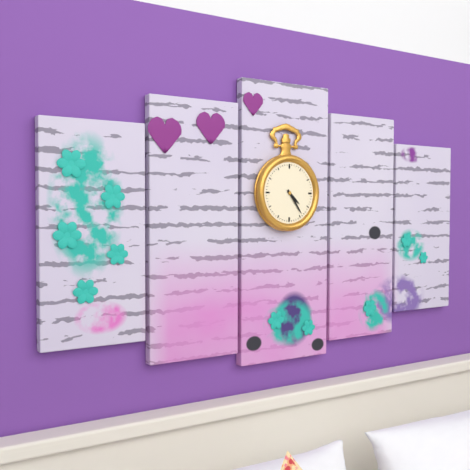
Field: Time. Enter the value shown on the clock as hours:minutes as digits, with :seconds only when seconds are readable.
4:24
